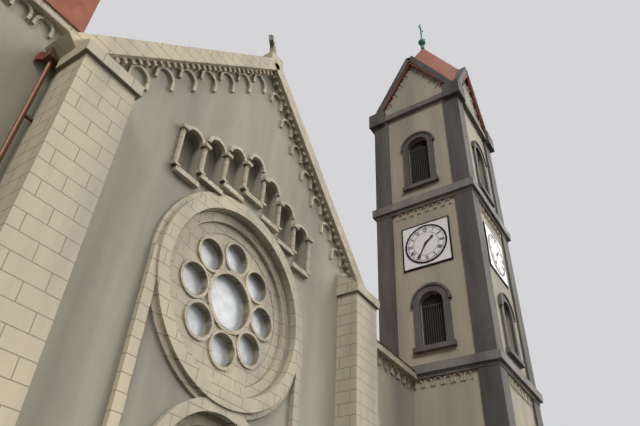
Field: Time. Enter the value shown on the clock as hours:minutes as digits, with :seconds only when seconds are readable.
1:35
